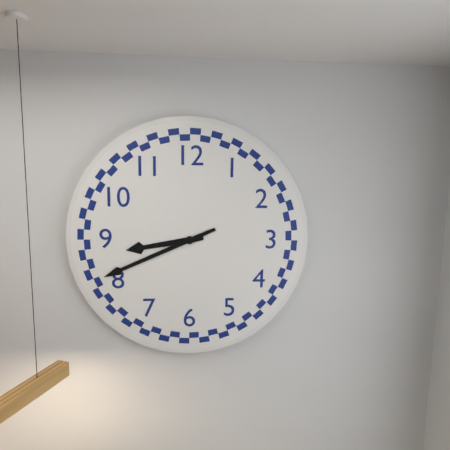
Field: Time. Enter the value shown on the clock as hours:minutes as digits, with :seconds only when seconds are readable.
8:41
